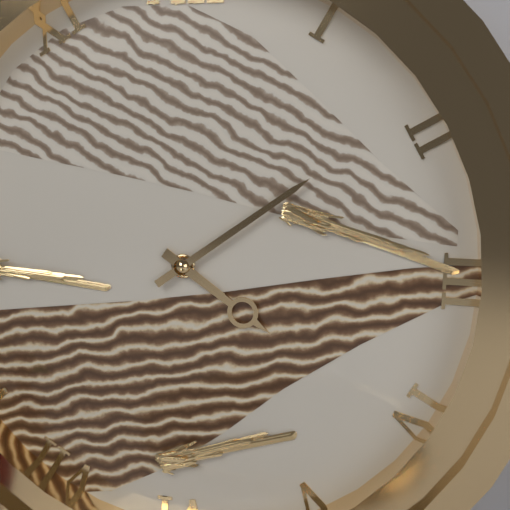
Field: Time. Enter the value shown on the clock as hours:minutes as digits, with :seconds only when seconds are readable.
4:09
